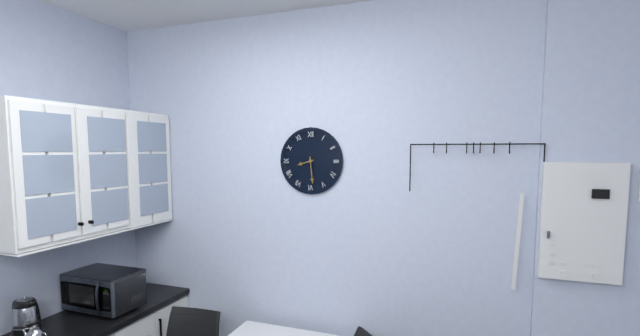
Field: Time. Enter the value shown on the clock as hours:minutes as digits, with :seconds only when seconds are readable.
8:29
